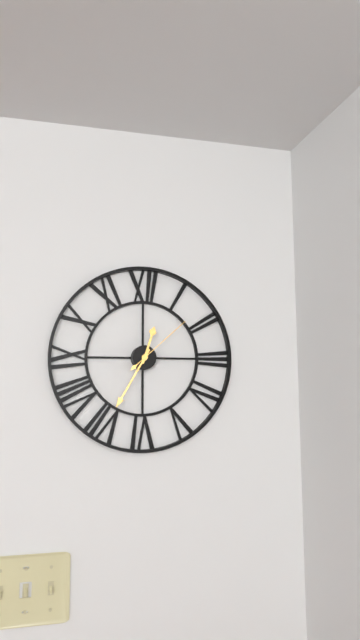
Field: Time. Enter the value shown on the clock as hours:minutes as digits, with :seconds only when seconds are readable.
12:35:08
